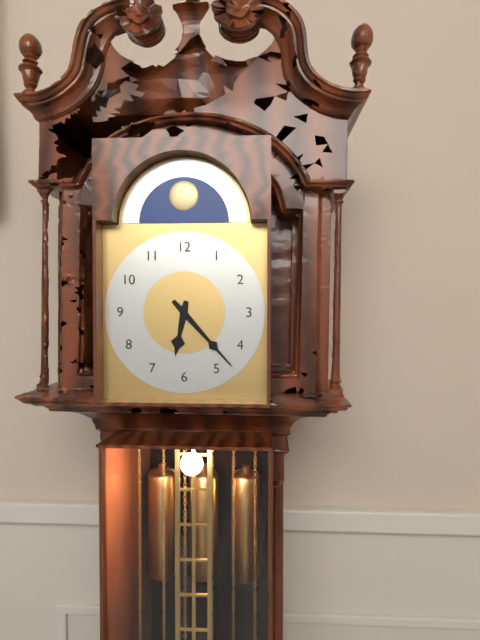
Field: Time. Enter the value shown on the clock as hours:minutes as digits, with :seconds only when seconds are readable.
6:23
